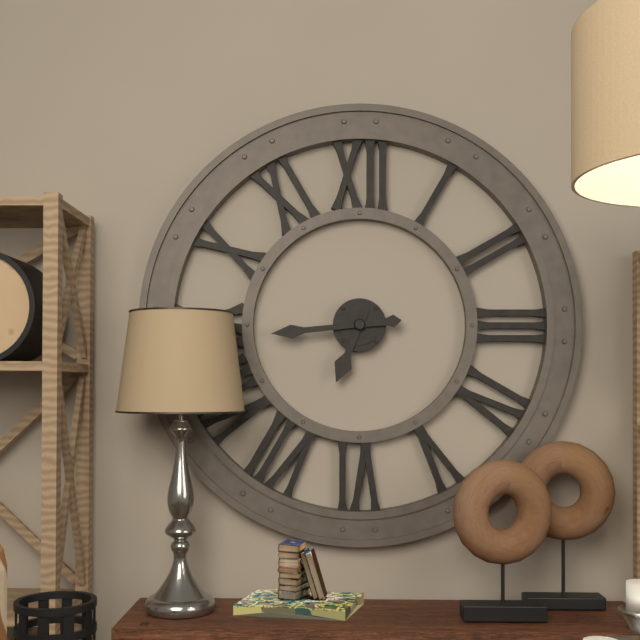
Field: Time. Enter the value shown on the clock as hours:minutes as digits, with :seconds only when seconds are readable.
6:44
